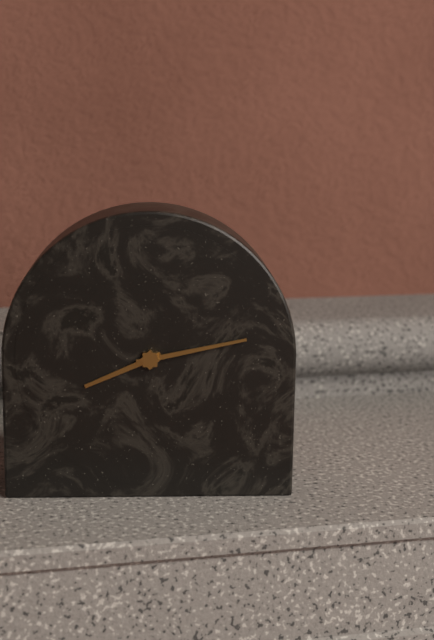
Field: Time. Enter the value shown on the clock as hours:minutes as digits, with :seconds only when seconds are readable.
8:13
